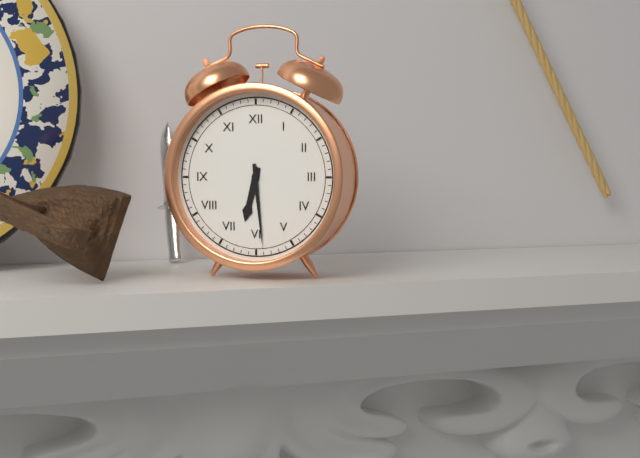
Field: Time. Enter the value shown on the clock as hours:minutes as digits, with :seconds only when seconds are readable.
6:29
